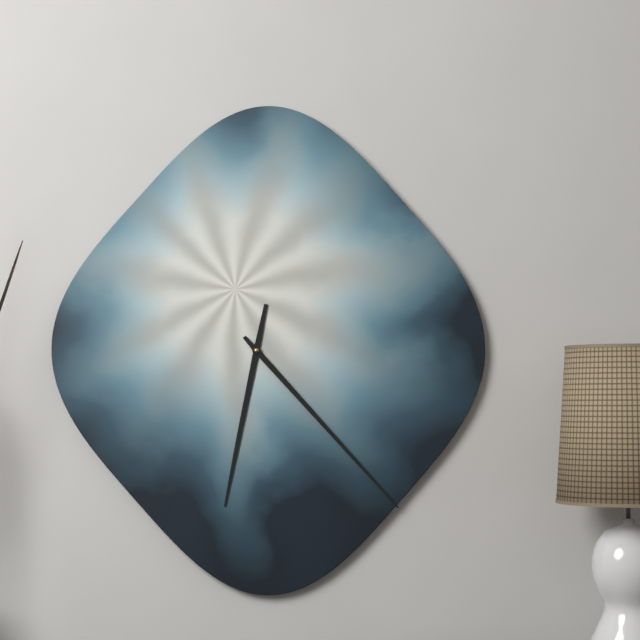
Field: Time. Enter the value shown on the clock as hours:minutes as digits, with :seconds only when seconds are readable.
6:23
